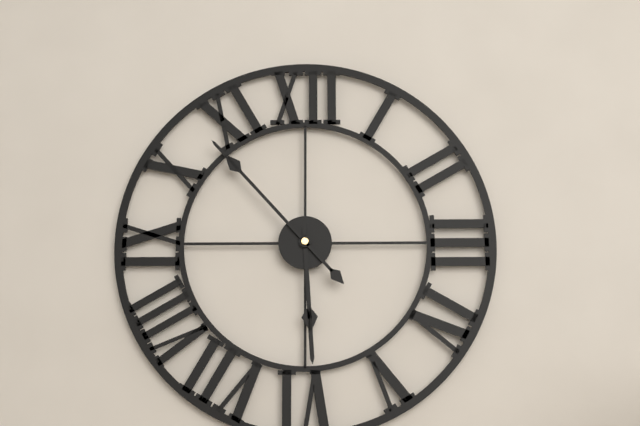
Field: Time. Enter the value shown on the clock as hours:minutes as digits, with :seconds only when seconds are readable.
5:53
